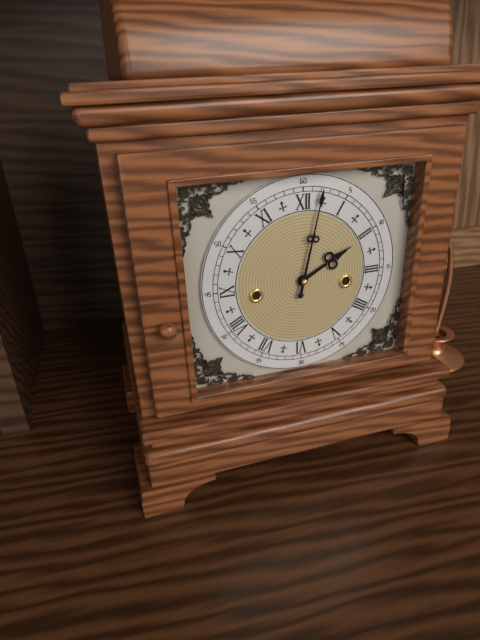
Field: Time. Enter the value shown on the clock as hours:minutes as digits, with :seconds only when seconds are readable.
2:02
